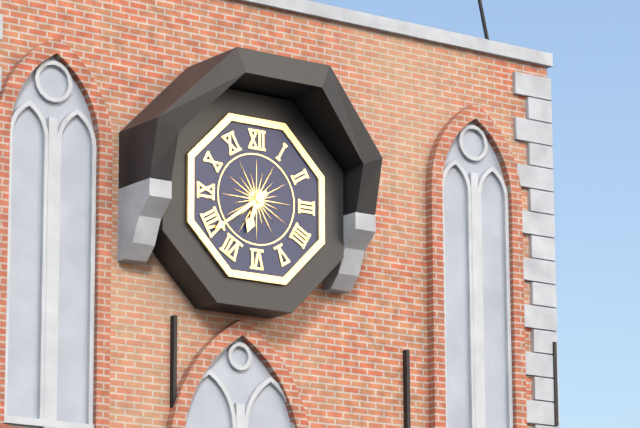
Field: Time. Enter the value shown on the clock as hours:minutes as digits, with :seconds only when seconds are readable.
6:39
